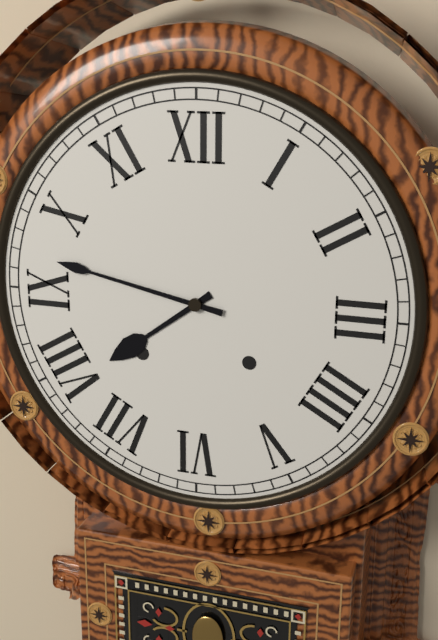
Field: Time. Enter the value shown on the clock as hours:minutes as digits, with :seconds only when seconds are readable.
7:47
